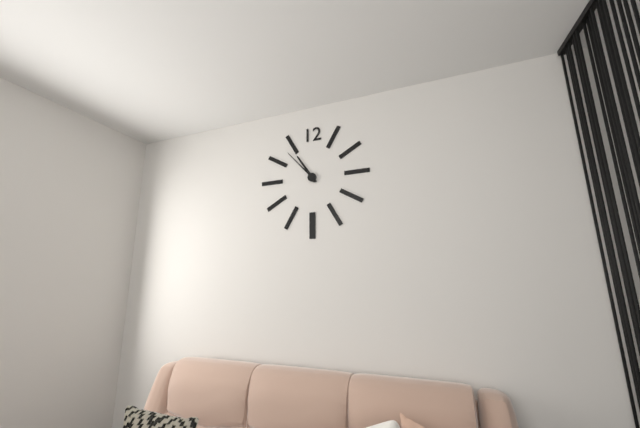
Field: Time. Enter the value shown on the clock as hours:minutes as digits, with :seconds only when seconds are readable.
10:53
